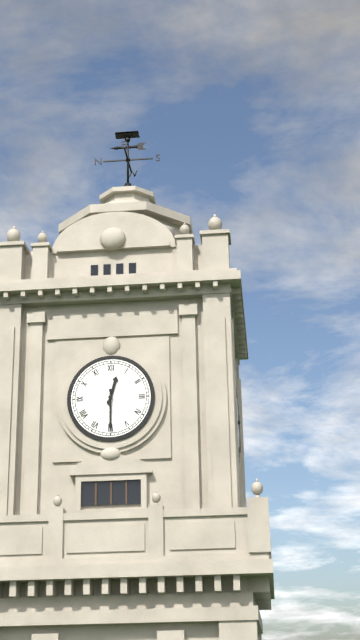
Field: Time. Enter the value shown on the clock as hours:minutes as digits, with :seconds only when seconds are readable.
12:30
